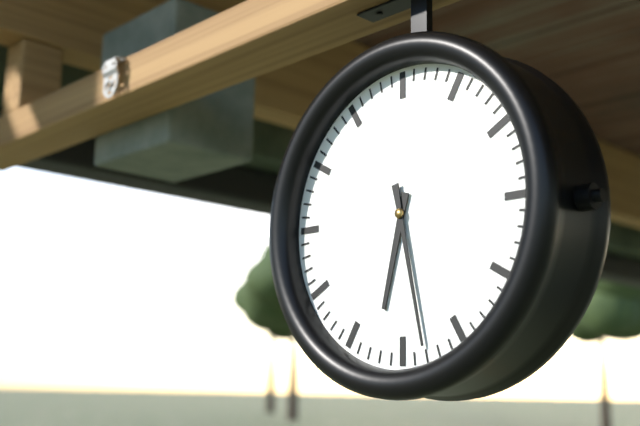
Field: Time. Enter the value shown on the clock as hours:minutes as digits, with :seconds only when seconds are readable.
6:28
